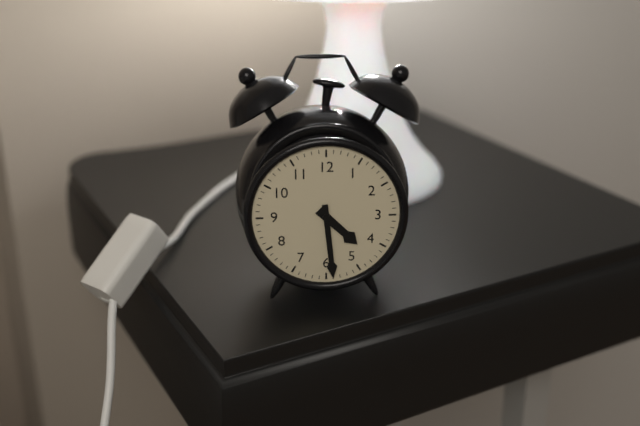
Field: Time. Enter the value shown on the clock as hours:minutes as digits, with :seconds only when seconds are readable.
4:29
